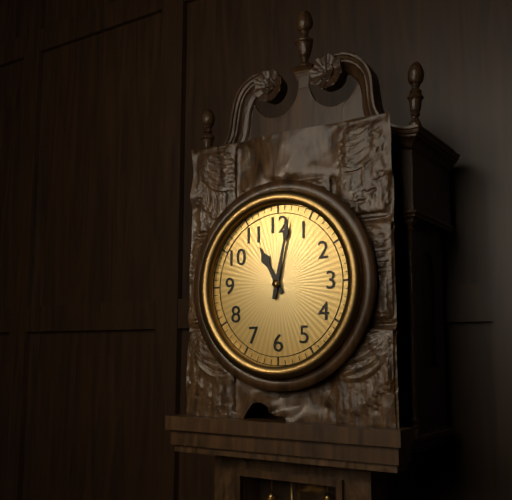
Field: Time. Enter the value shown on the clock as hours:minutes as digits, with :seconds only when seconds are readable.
11:02
